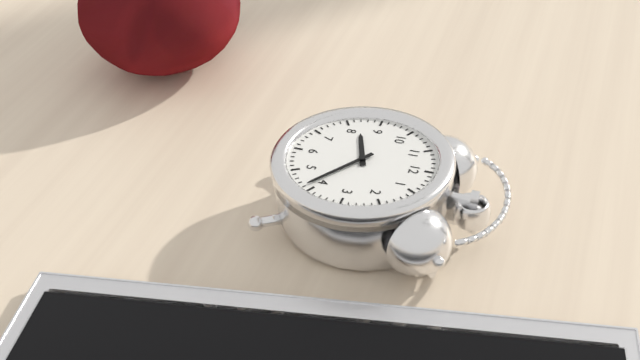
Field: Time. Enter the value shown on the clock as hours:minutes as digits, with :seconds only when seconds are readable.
8:21
